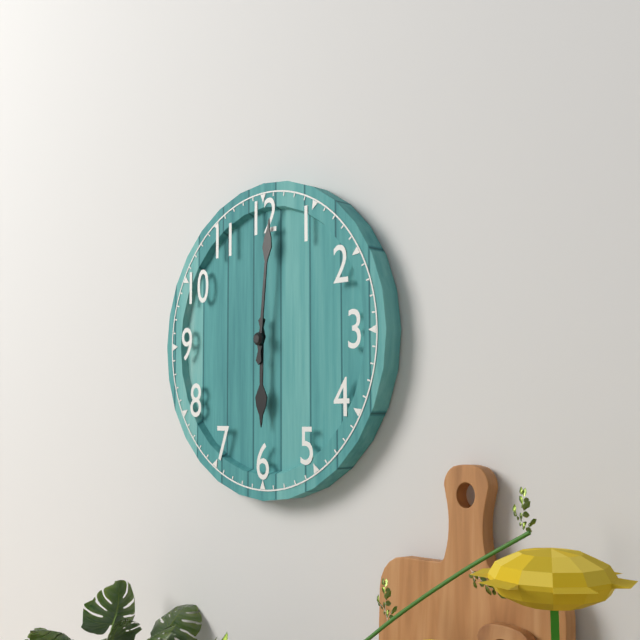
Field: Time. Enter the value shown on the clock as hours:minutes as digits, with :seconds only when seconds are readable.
6:01
